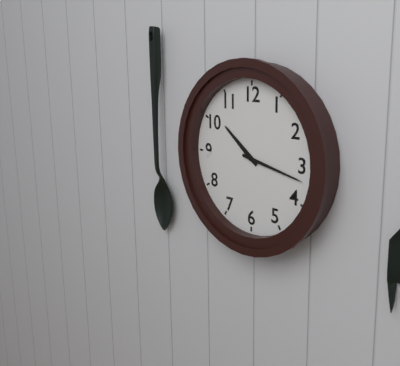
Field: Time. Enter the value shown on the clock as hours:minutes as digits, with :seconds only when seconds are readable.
10:17
